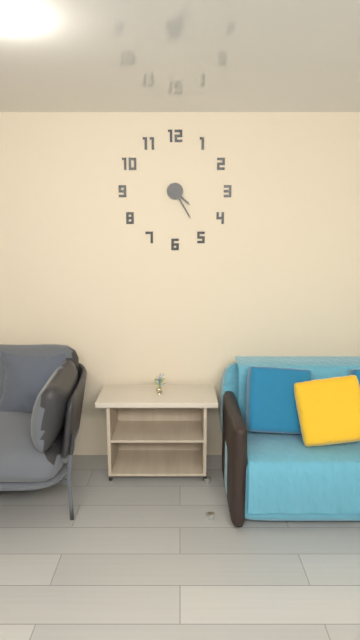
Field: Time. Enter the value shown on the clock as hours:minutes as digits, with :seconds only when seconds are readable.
4:25
